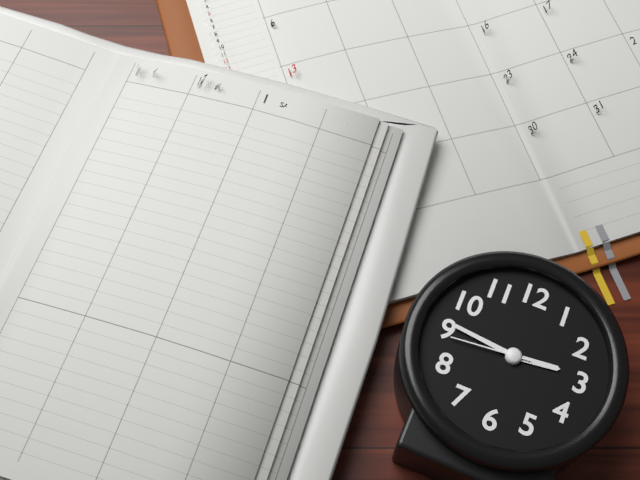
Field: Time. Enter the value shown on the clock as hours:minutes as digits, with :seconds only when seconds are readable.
2:46:44
